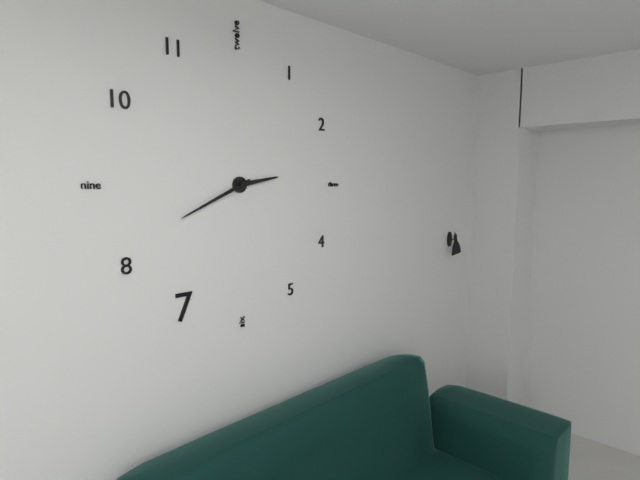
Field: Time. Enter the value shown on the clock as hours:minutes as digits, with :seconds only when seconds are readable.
2:41
